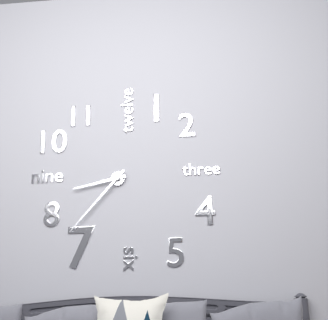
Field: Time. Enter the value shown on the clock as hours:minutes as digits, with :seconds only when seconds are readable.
8:37
